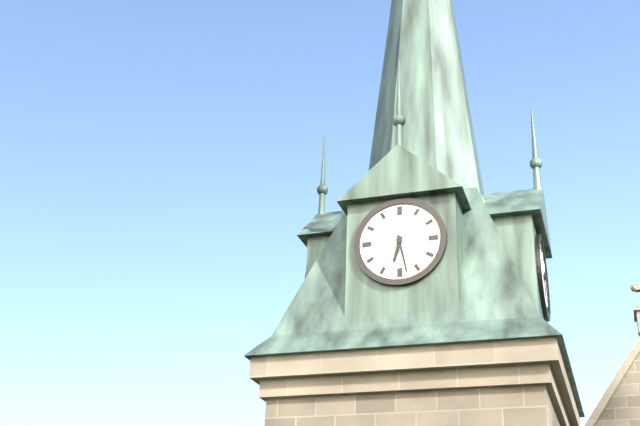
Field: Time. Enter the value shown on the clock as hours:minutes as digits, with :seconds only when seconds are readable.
6:28
